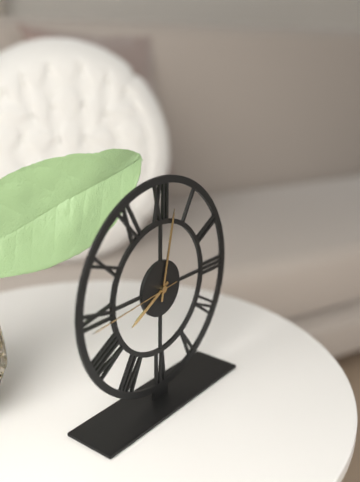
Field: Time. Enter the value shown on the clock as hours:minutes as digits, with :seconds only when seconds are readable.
8:02:44
